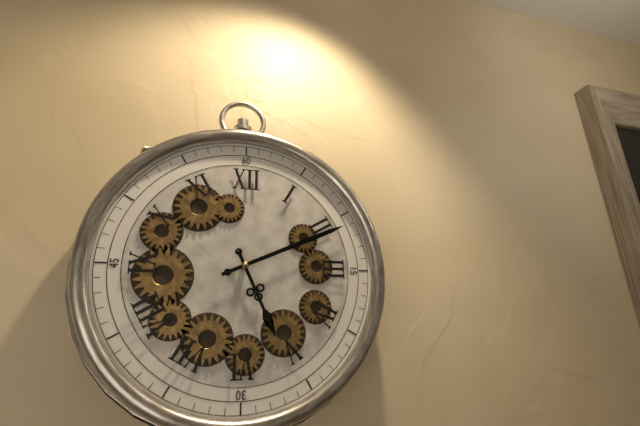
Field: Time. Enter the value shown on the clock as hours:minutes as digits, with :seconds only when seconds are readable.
5:11
